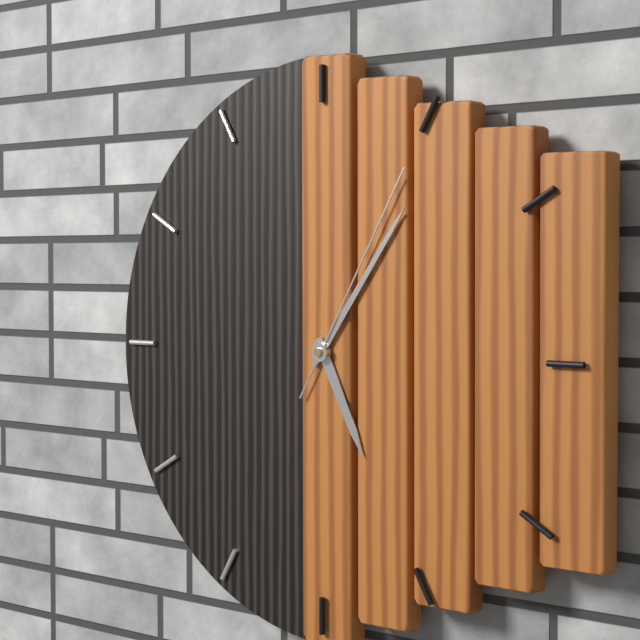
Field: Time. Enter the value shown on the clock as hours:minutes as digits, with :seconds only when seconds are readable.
5:06:05
